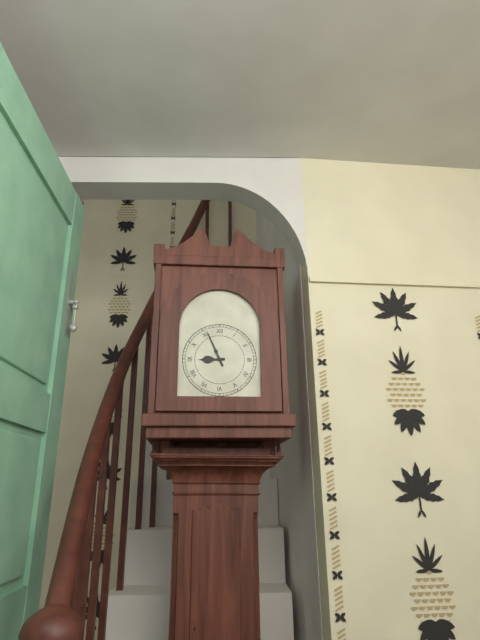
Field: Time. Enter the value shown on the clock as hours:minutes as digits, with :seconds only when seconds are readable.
8:56
